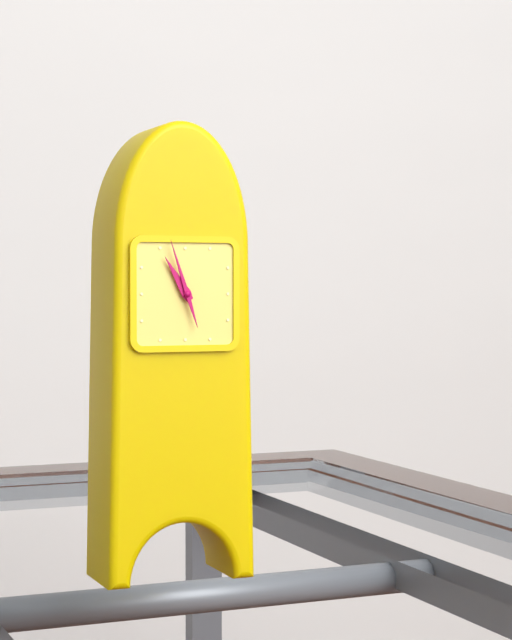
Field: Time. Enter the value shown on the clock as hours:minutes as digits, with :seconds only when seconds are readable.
10:57
